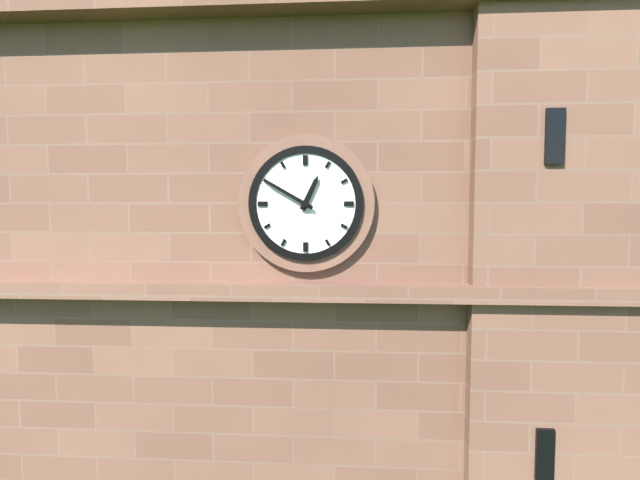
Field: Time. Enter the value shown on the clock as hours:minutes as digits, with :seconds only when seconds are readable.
12:50
